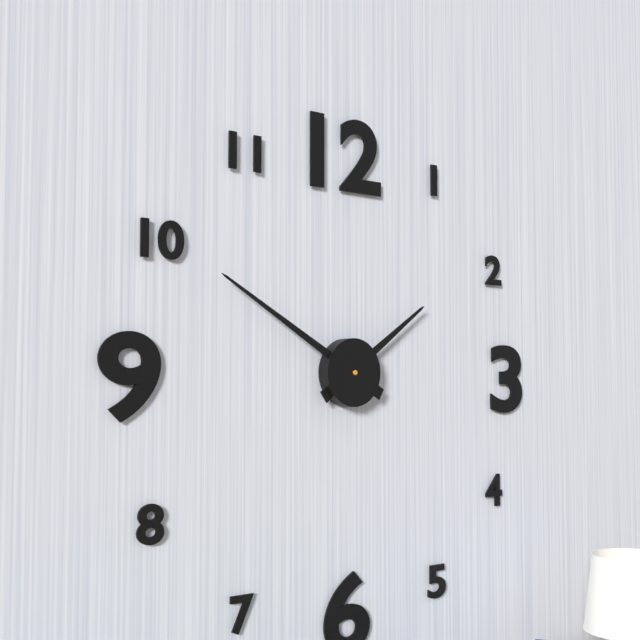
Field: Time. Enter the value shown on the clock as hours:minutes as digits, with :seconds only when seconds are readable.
1:50
